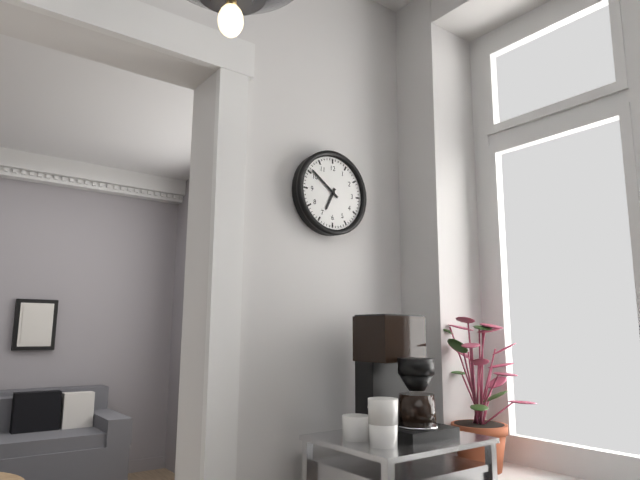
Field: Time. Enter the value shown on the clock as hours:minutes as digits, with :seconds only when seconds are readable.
6:51
